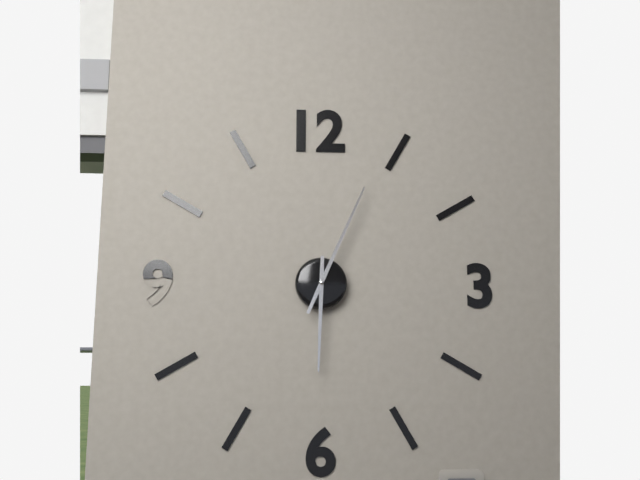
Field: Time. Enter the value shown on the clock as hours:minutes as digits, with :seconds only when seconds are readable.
6:04
